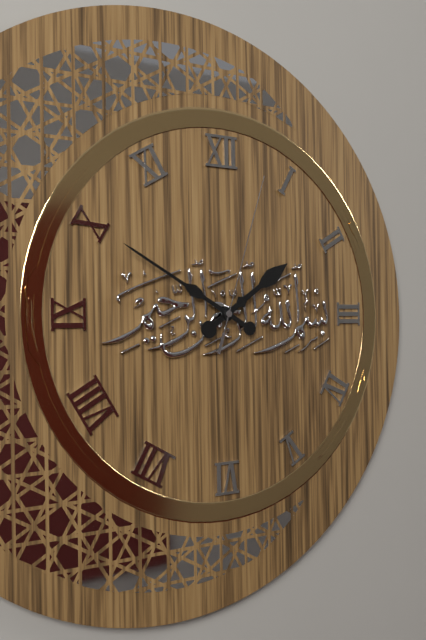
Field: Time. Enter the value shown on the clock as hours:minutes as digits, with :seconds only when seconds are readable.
1:50:03
